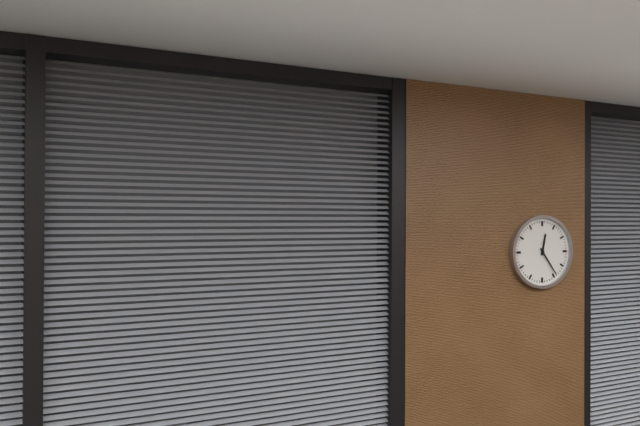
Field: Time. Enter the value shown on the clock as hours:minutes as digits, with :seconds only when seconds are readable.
12:24
